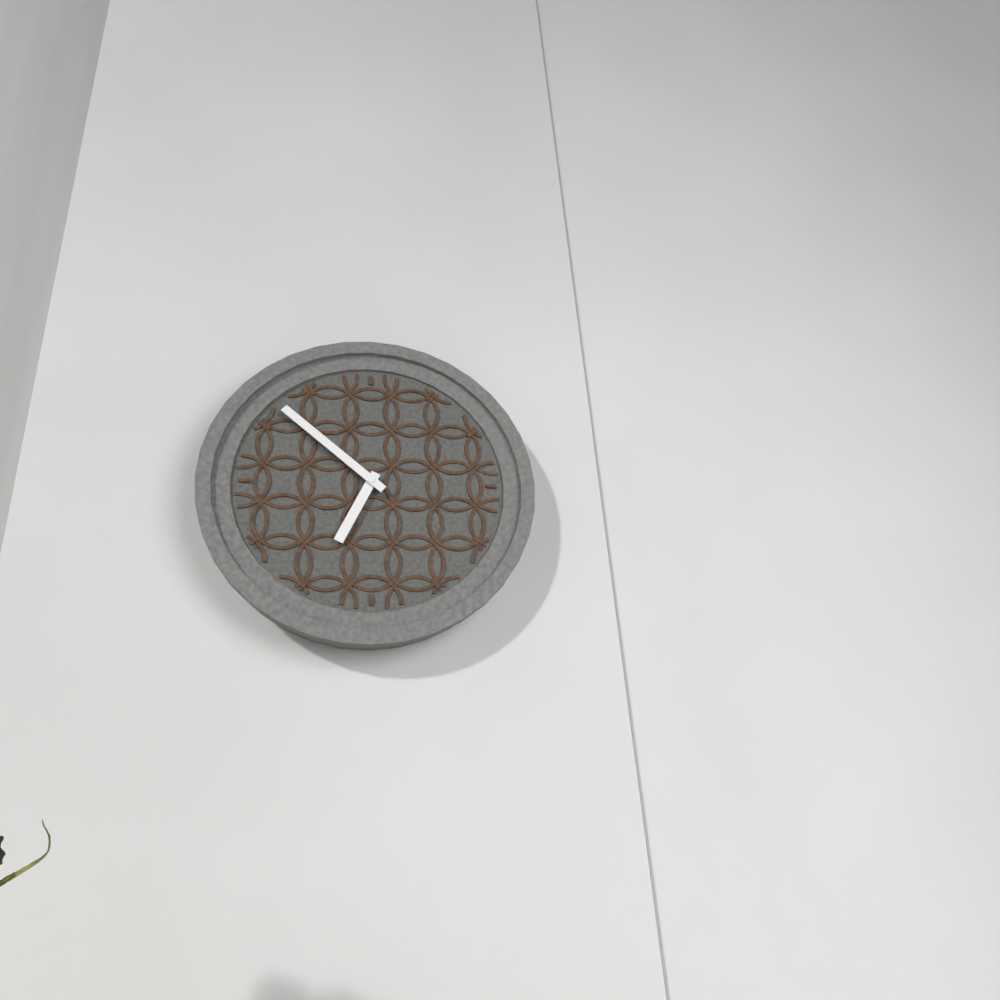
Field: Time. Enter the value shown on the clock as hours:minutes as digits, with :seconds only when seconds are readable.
6:52
